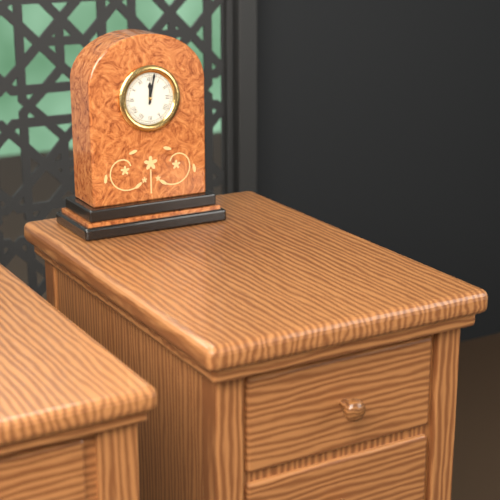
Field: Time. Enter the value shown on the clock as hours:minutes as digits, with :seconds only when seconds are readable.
12:02
